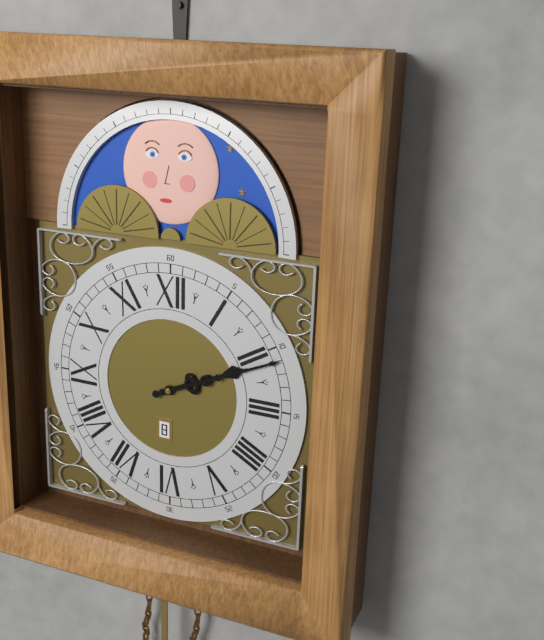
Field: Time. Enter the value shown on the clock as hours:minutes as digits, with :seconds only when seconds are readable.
2:11
